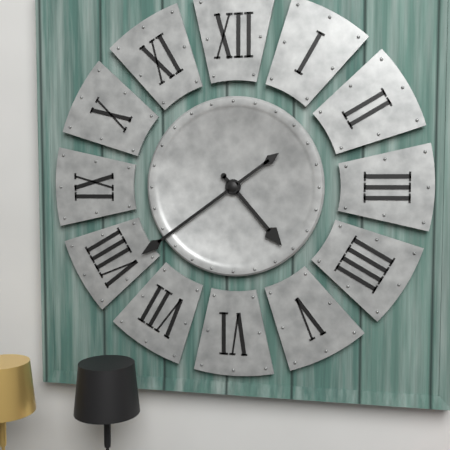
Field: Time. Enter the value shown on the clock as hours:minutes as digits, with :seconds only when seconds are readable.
4:39
